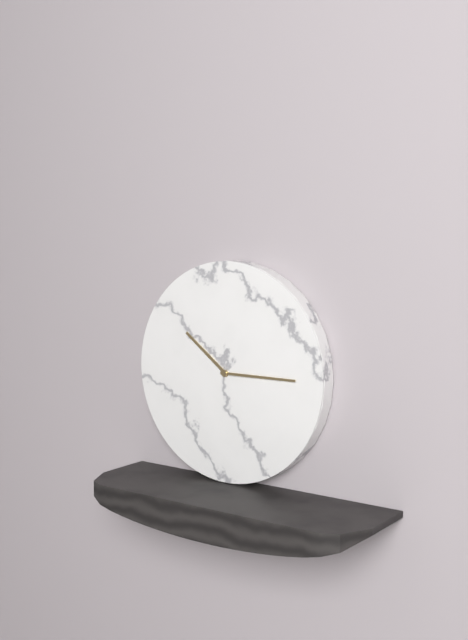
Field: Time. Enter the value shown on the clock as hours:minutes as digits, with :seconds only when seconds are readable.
10:15
